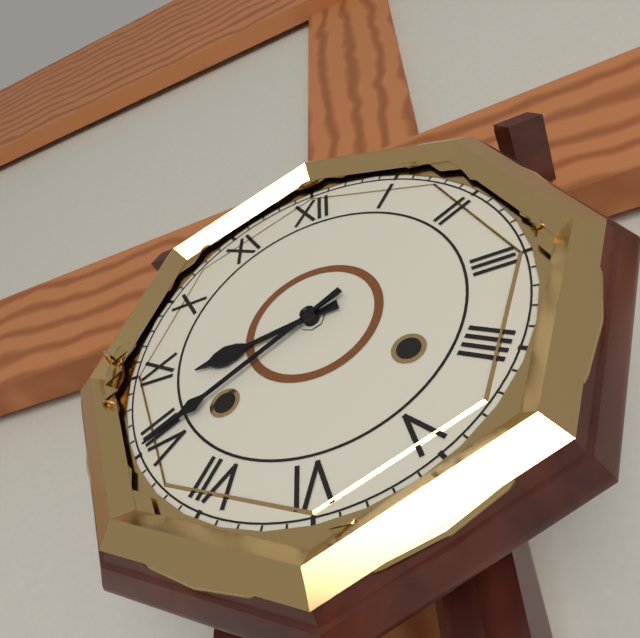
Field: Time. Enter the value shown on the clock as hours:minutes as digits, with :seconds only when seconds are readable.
8:40
